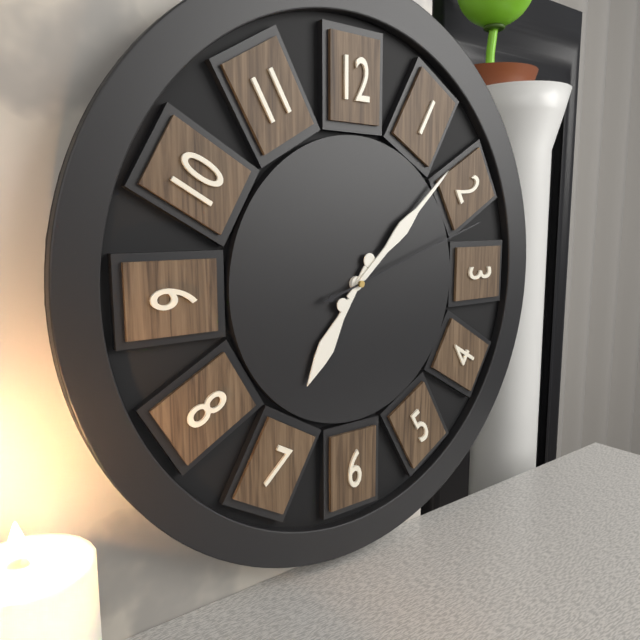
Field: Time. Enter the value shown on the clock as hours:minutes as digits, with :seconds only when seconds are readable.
7:08:12
